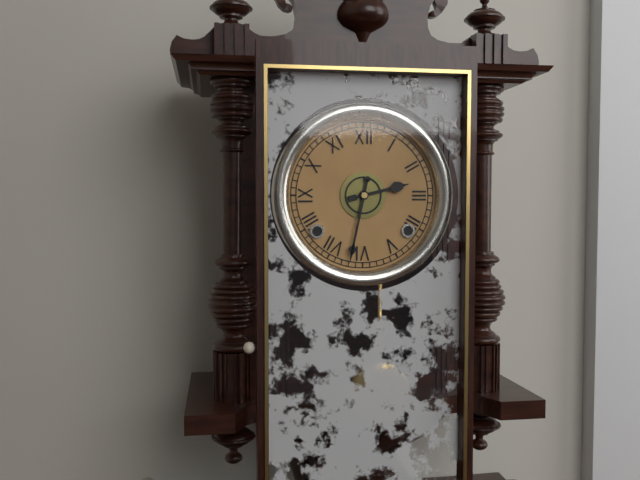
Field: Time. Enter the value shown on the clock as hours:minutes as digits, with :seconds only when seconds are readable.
2:32
